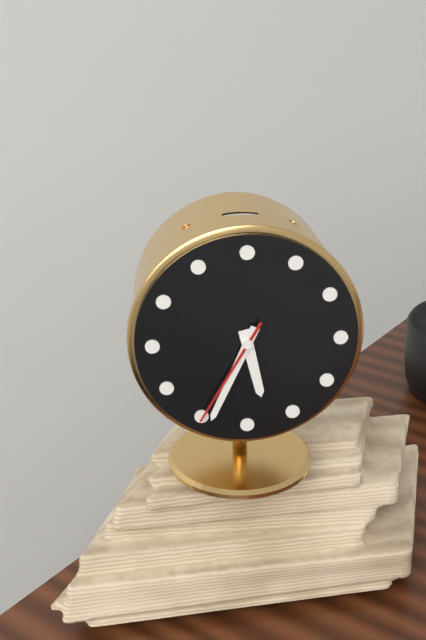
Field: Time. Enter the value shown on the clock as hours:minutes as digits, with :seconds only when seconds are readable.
5:34:35
